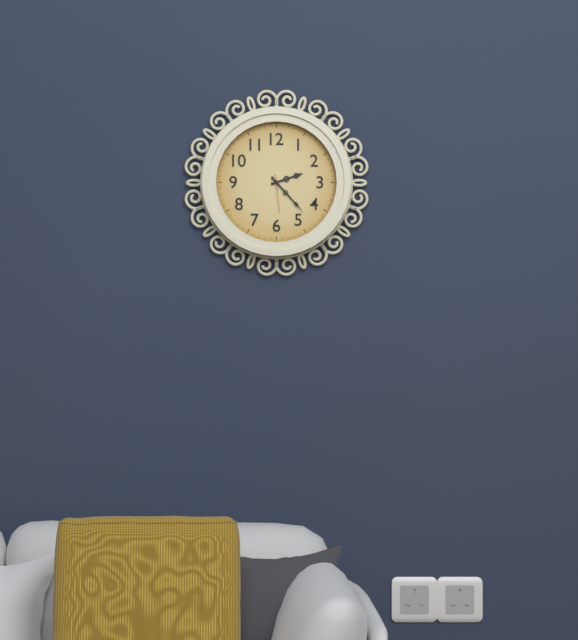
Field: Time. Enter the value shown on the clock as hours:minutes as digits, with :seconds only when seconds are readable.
2:23
